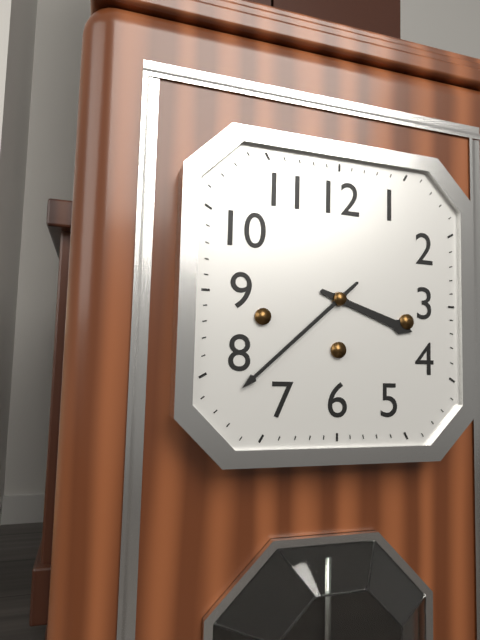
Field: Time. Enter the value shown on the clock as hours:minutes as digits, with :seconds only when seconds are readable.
3:38
